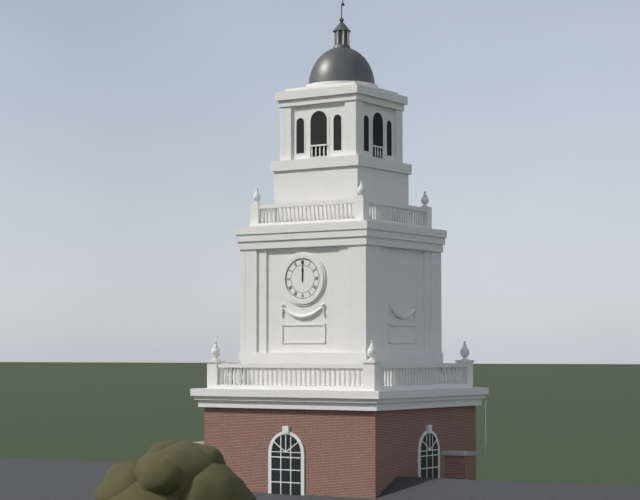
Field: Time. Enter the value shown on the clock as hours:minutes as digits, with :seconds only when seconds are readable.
12:00
